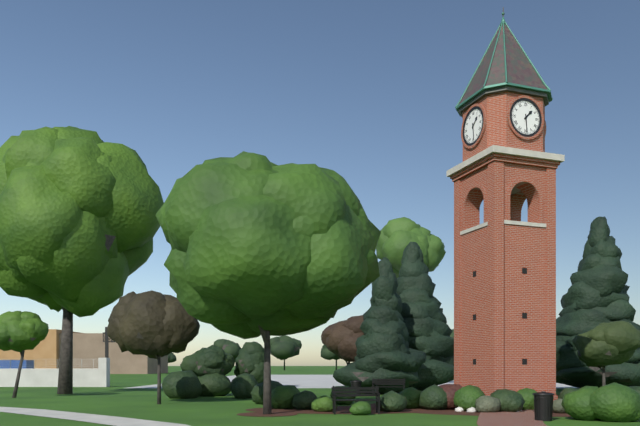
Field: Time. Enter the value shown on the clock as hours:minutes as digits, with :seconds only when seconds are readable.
1:29
